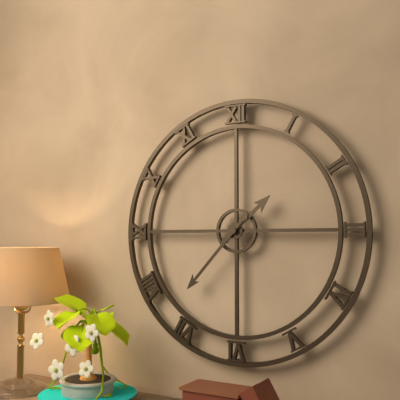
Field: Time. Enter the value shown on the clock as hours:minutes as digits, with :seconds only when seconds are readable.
1:37
